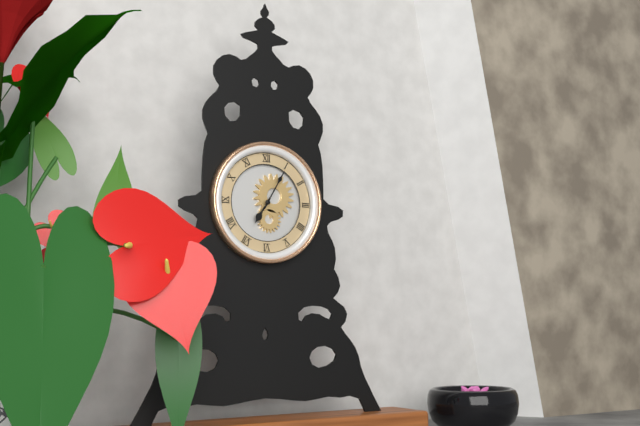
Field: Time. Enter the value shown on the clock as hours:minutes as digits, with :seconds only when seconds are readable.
7:05
